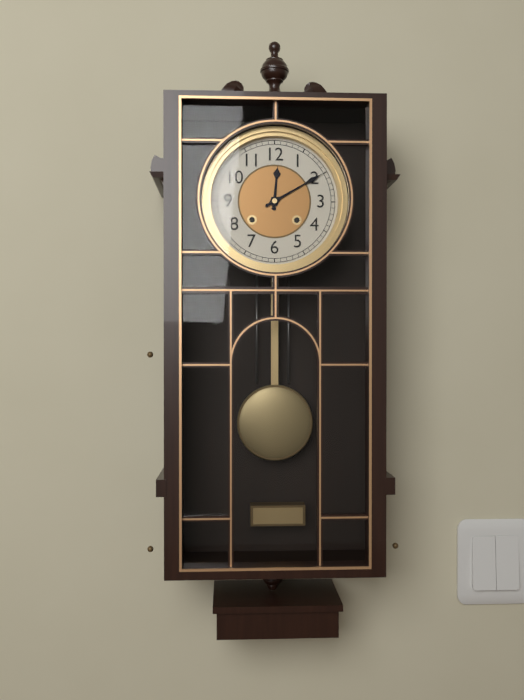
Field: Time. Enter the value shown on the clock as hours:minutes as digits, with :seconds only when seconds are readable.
12:10
